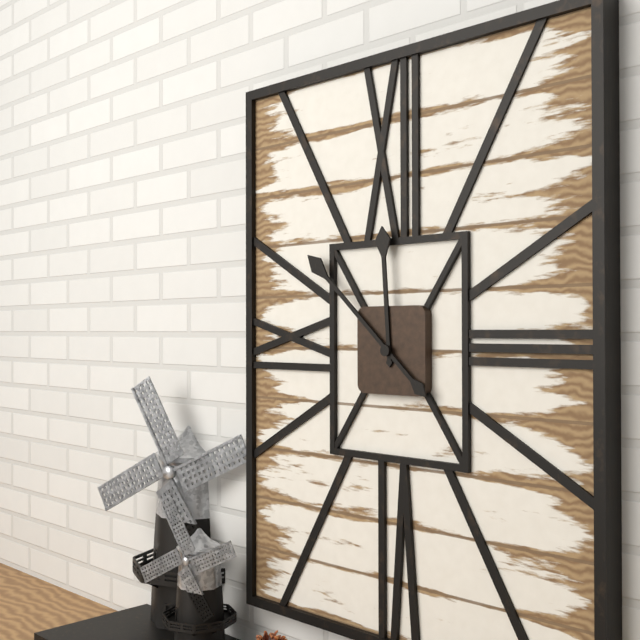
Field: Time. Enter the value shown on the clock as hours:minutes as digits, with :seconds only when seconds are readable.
11:52
